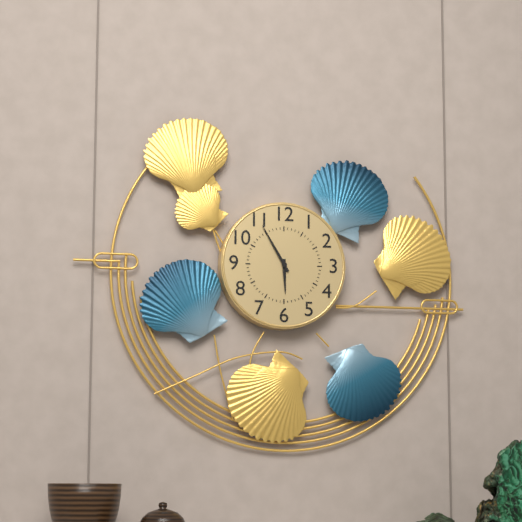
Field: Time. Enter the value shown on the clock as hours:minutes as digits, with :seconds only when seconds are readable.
5:55
